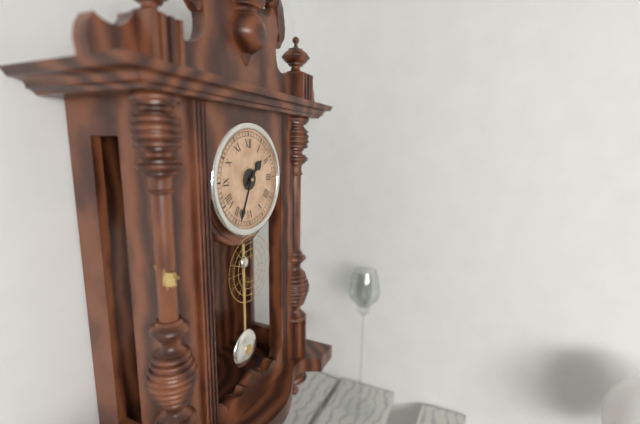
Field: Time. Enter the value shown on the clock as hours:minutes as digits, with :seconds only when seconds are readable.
1:34
